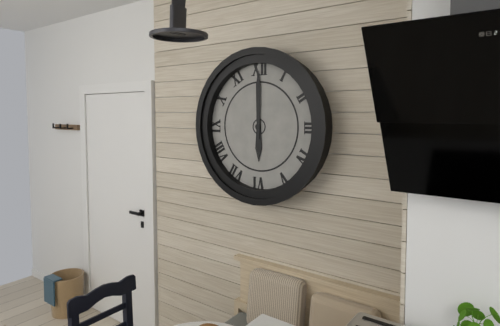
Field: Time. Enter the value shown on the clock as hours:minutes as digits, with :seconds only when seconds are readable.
6:00
